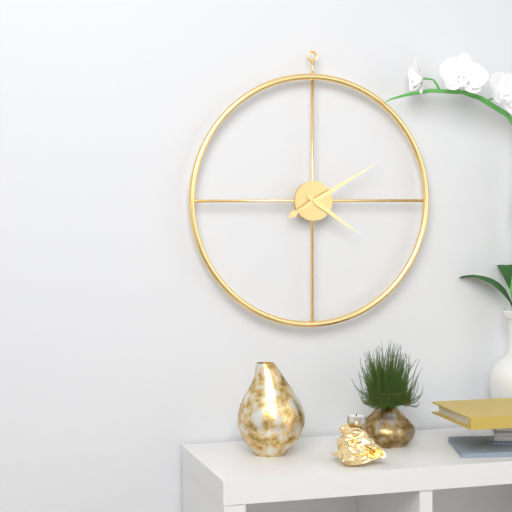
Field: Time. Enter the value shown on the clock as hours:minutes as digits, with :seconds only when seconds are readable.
4:10
